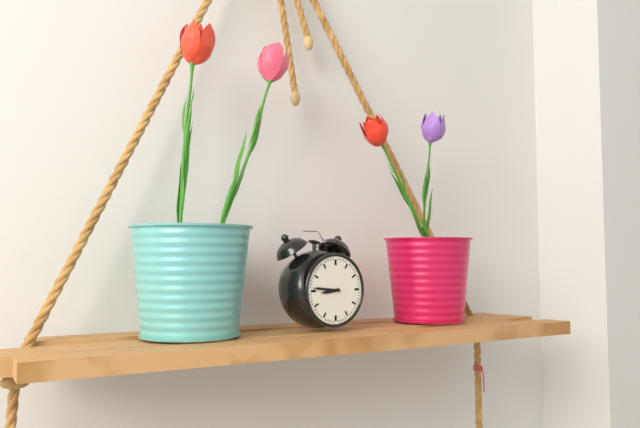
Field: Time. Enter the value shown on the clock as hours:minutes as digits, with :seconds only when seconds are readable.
8:46
